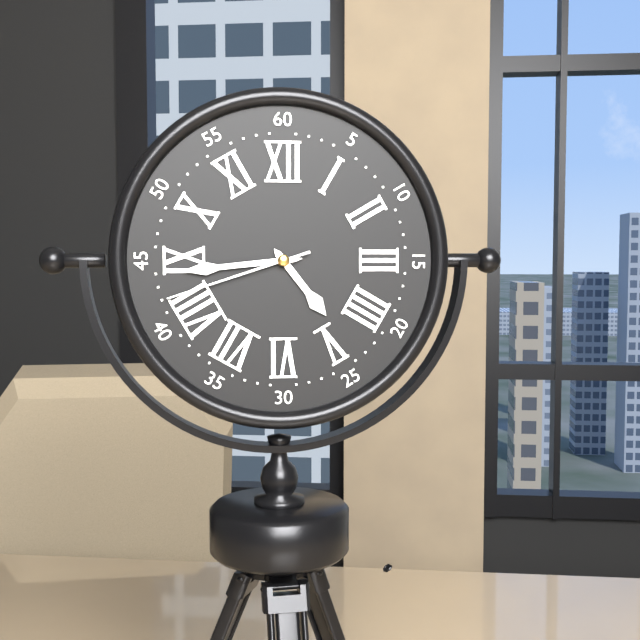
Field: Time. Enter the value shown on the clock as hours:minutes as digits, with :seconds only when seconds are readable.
4:44:42
